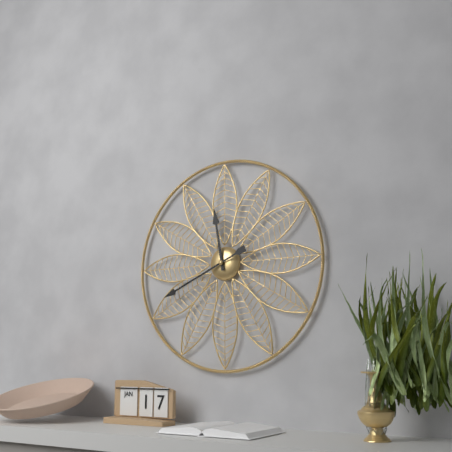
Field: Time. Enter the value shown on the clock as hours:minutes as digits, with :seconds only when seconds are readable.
11:41
